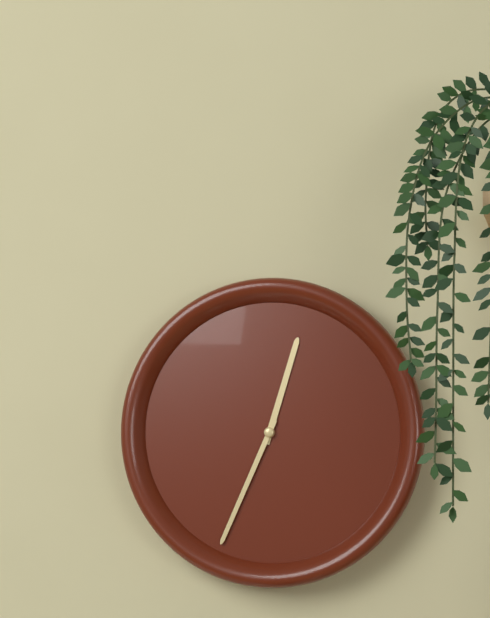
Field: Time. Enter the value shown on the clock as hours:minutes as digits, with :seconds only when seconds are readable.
12:34
